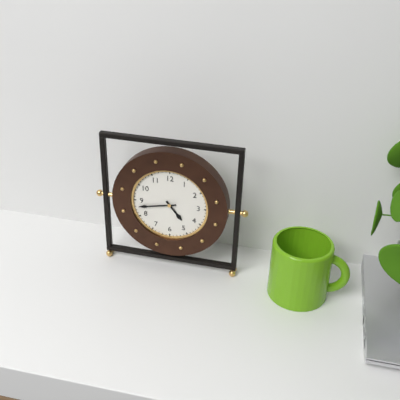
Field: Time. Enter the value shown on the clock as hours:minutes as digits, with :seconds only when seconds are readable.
4:43
